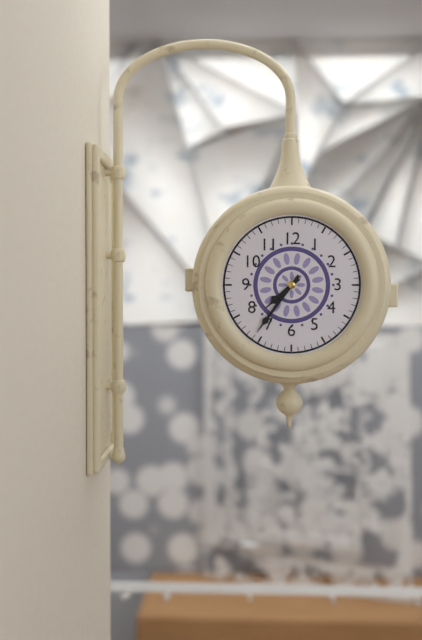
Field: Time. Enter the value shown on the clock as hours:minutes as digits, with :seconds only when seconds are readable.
7:36
